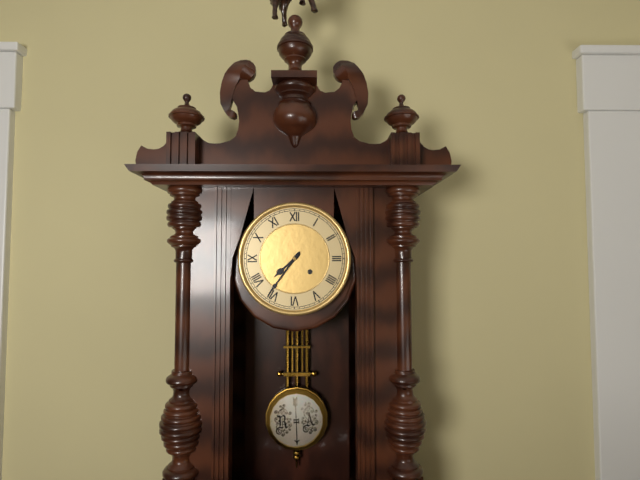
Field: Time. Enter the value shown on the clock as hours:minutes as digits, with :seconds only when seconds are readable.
7:36
